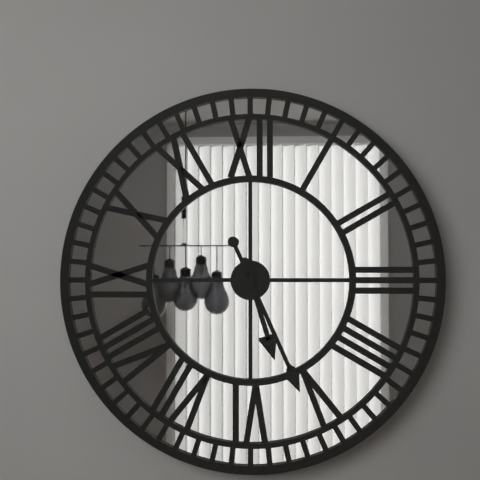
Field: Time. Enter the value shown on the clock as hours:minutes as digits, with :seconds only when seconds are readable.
5:26
